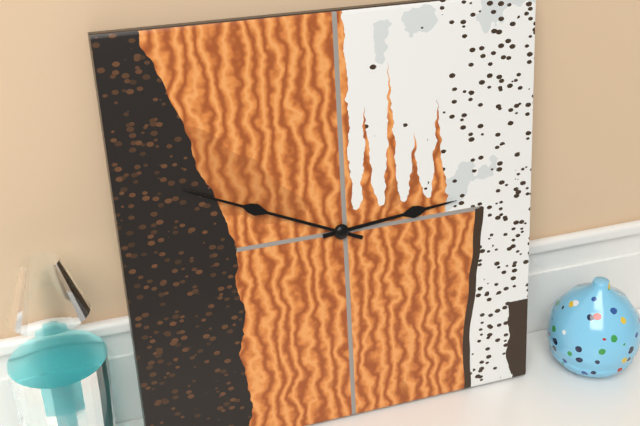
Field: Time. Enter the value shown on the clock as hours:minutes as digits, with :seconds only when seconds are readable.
2:49
